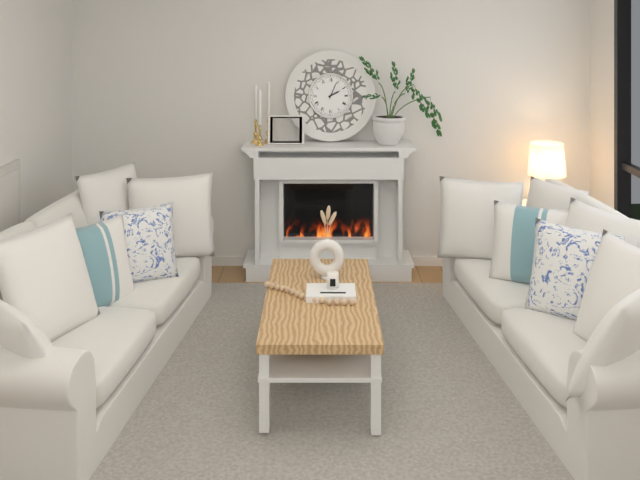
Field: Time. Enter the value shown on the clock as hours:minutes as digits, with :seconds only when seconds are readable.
2:04
